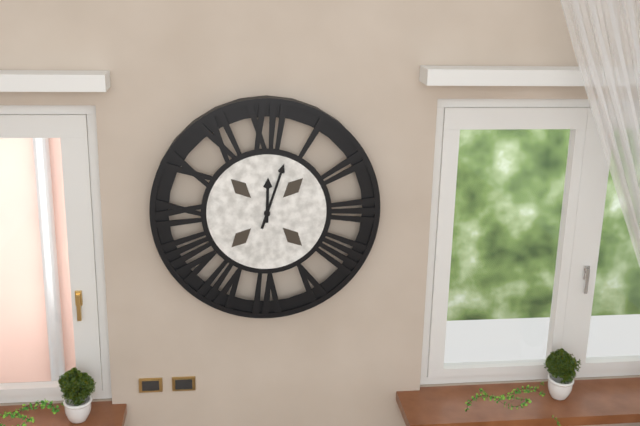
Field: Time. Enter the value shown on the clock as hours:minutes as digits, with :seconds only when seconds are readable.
12:03
